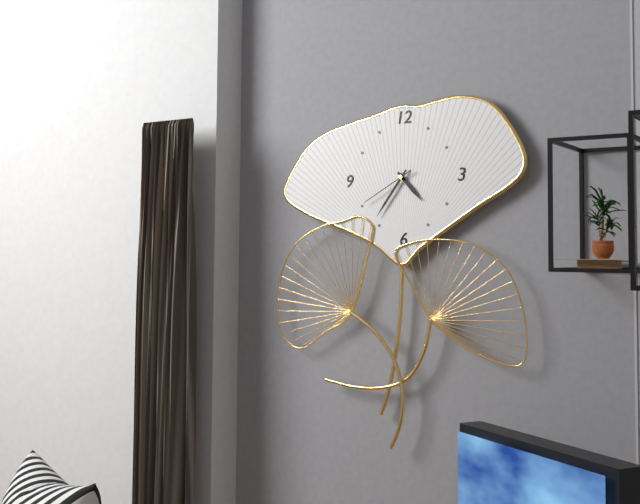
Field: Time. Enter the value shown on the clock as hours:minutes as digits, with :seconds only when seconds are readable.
4:36:40
